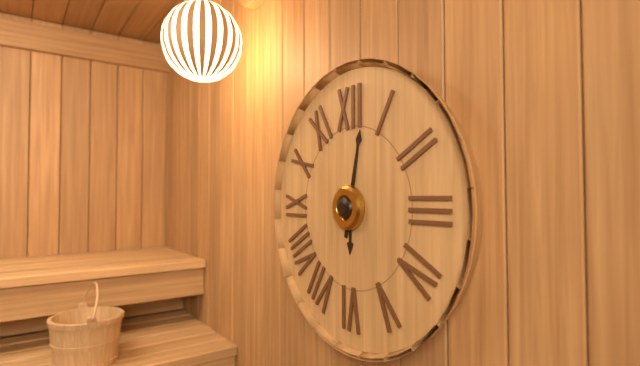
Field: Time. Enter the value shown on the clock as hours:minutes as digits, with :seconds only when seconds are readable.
6:02
